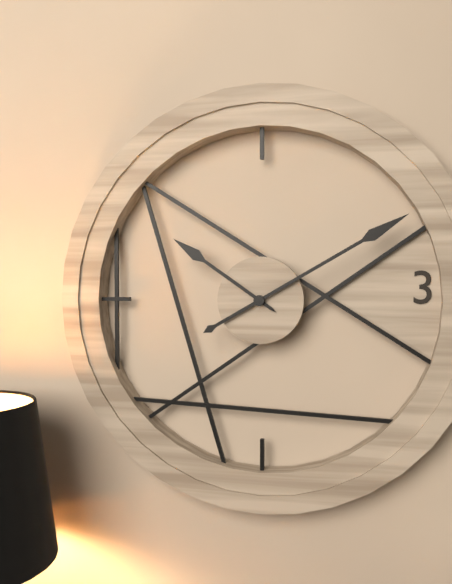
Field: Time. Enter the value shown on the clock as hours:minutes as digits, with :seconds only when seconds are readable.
10:10
